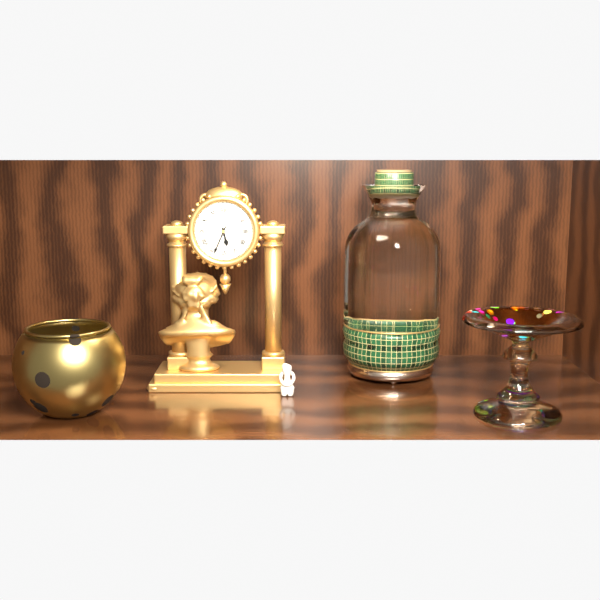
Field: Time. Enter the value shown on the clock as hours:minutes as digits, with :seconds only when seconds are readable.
5:34
